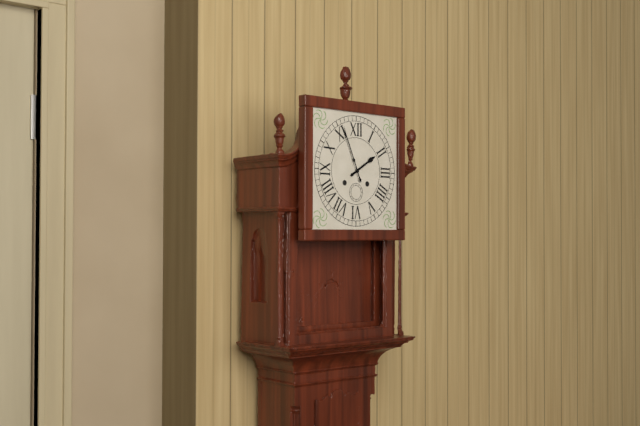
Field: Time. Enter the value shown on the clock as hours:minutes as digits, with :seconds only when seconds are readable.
1:56
